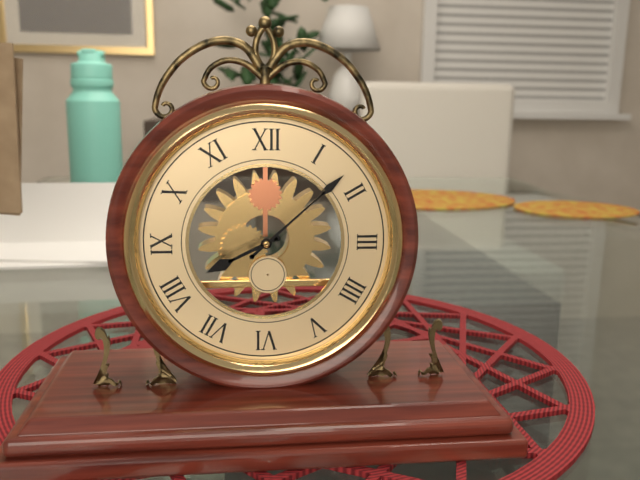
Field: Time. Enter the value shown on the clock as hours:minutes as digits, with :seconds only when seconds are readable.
8:08
